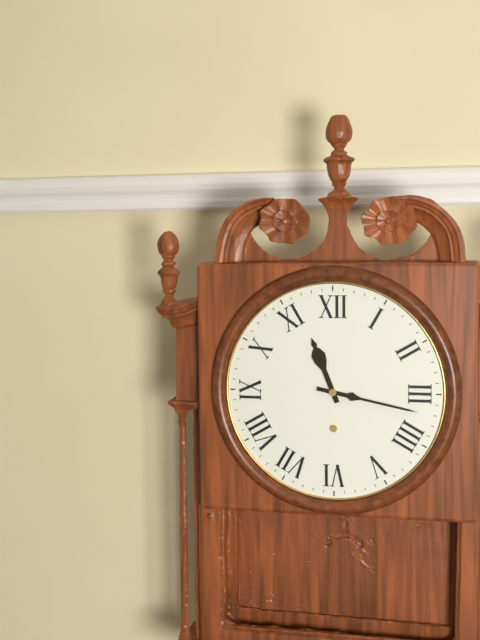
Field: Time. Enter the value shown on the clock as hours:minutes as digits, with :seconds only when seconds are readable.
11:17
